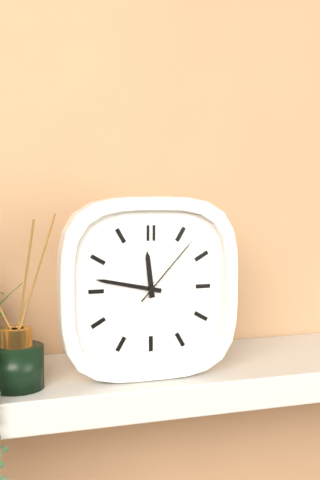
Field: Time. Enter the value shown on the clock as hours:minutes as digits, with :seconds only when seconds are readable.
11:47:07
